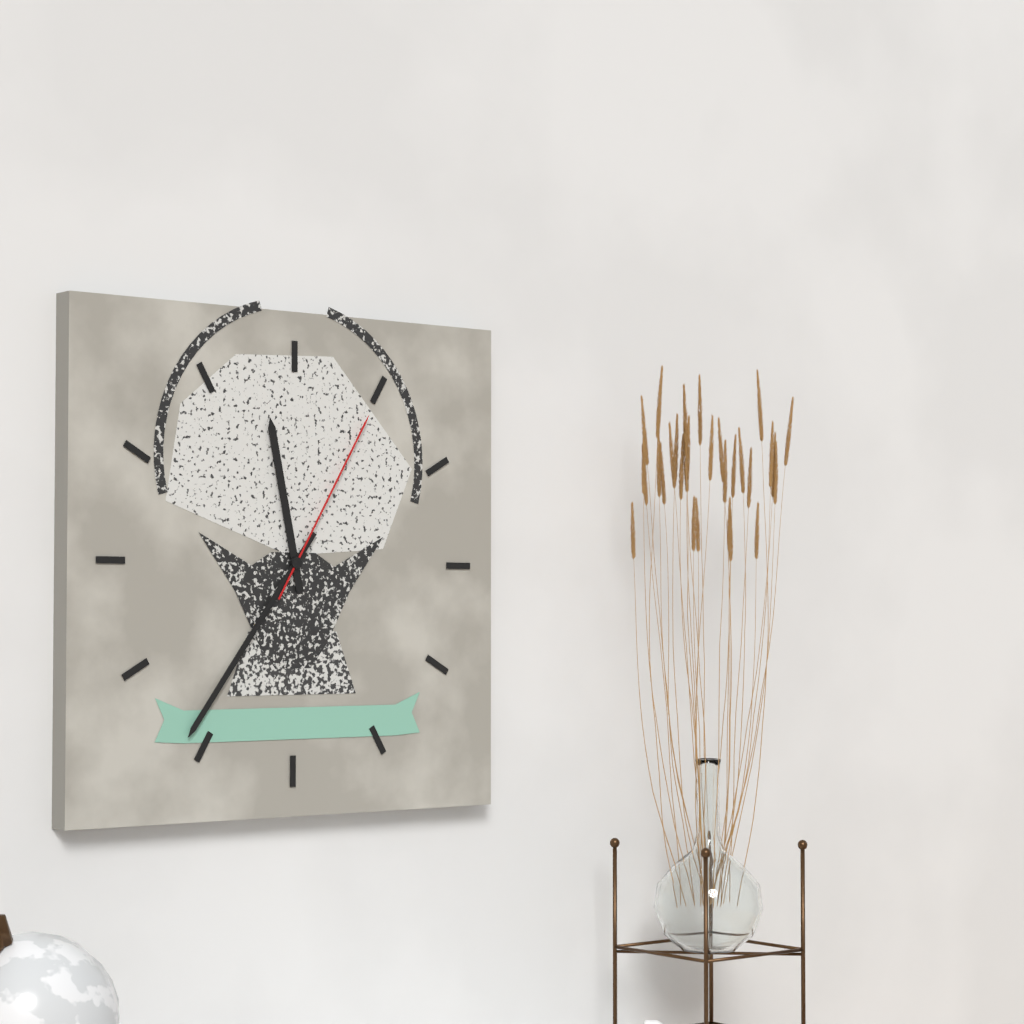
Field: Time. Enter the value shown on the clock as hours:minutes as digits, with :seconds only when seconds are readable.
11:36:05
